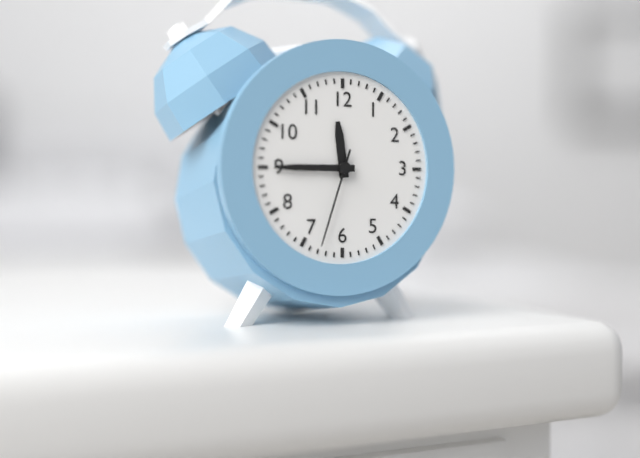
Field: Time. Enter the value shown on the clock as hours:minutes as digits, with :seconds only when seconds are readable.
11:45:33
